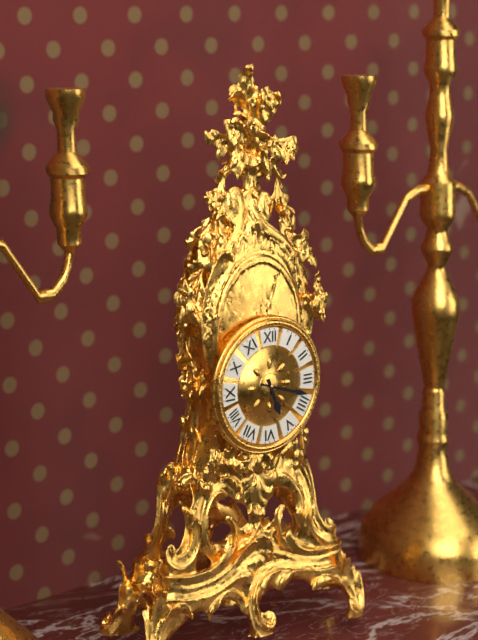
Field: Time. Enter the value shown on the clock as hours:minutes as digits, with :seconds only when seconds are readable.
5:18
